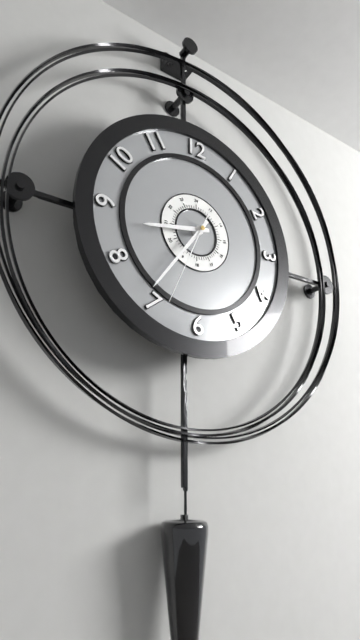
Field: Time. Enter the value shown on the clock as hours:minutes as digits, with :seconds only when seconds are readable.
8:36:34
